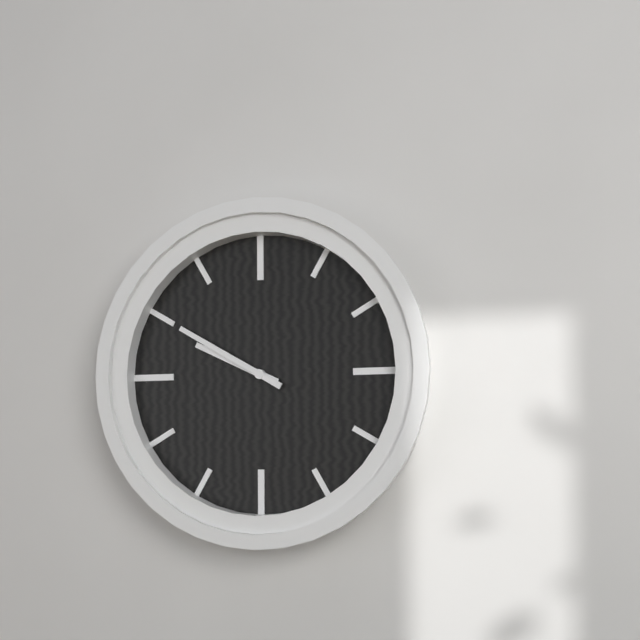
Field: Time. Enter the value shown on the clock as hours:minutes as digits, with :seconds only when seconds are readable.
9:50
